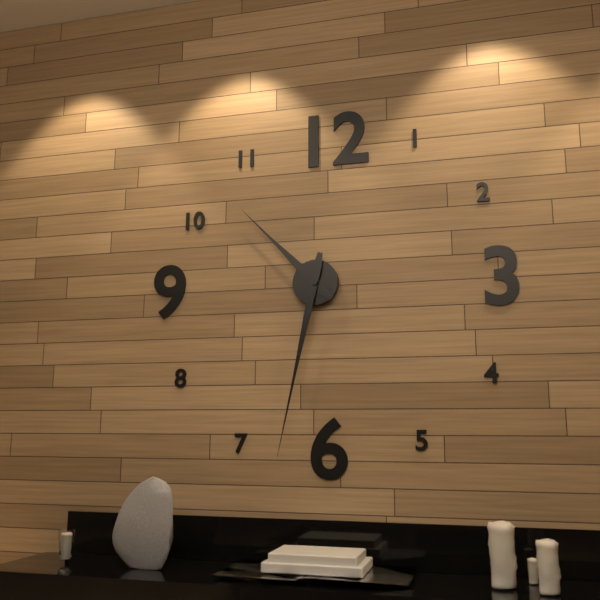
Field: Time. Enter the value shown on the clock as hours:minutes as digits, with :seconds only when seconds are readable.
10:32
